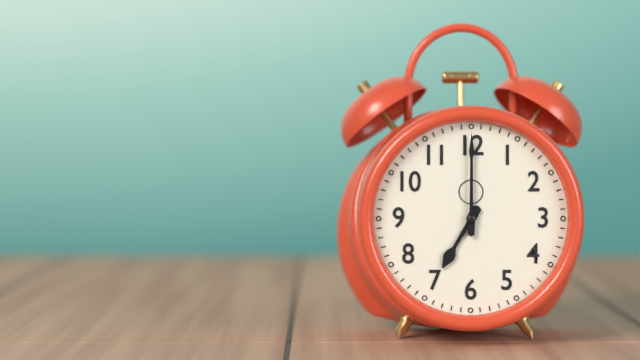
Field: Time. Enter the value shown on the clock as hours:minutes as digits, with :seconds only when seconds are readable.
7:00
